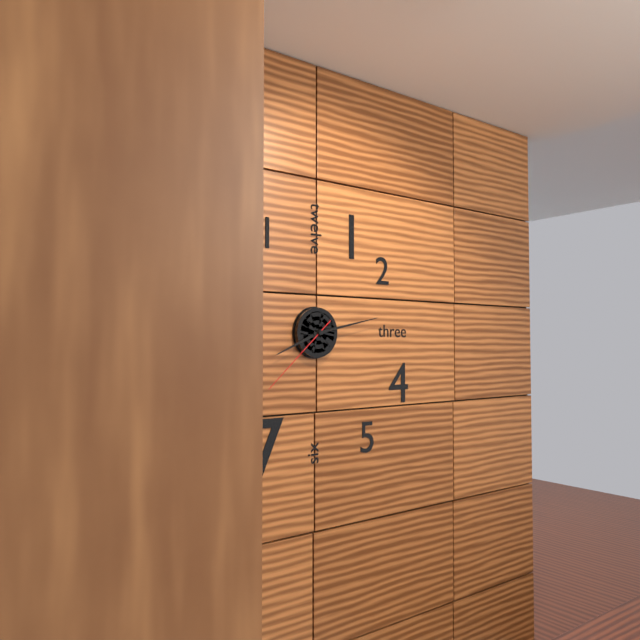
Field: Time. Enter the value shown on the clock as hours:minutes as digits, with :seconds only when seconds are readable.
8:13:38
